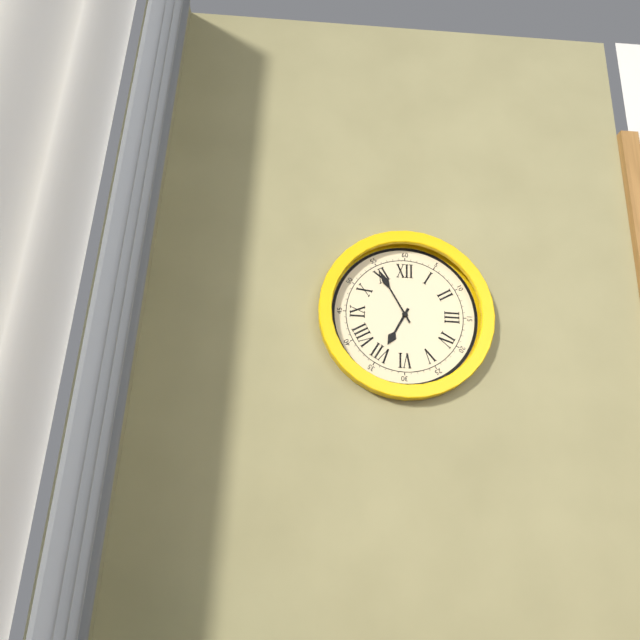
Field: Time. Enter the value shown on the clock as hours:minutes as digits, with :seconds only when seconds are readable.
6:55
